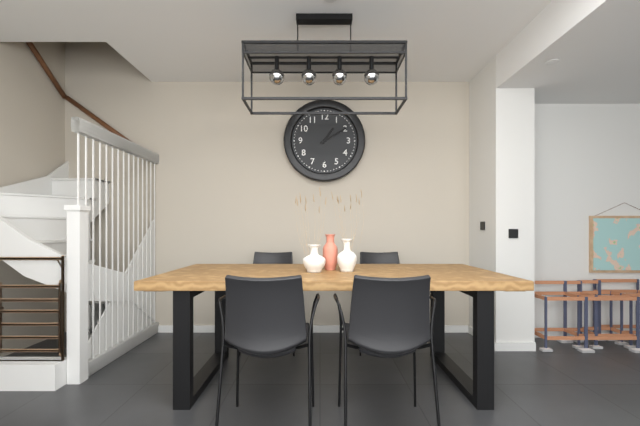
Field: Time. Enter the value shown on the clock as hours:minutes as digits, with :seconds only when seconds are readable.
1:10
